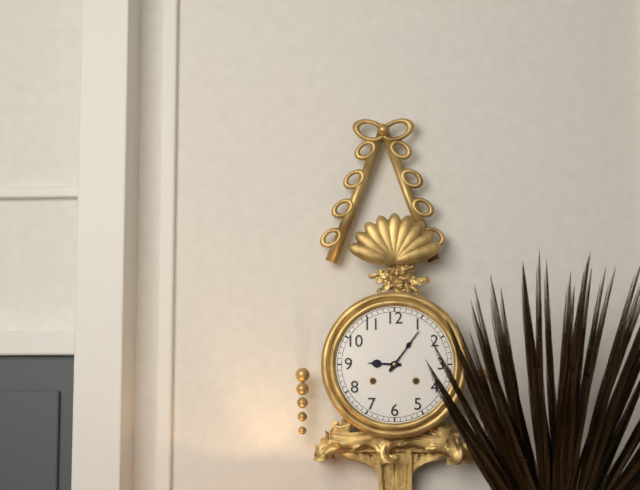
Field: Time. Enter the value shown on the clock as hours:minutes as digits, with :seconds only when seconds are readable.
9:06
